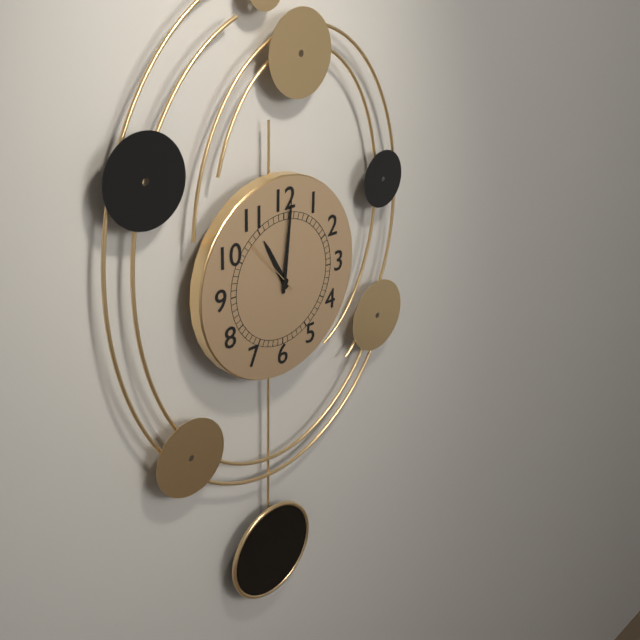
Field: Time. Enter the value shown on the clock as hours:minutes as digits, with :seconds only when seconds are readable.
11:01
